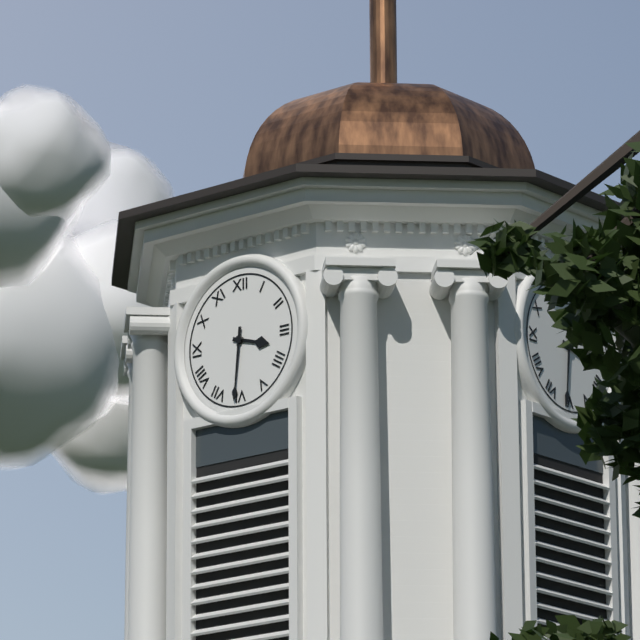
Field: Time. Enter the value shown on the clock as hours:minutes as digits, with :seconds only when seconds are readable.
3:31
